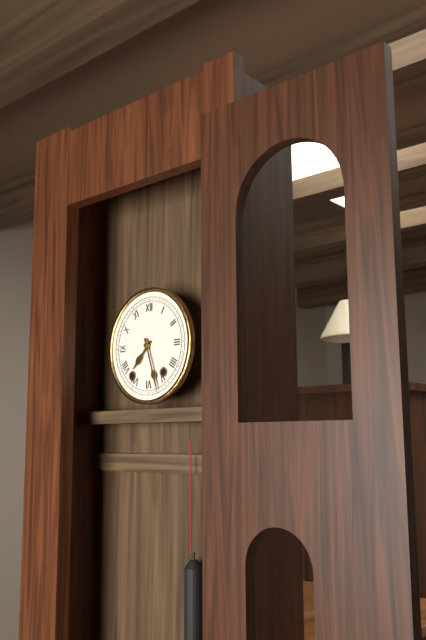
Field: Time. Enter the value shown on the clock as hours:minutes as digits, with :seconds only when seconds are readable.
7:27
